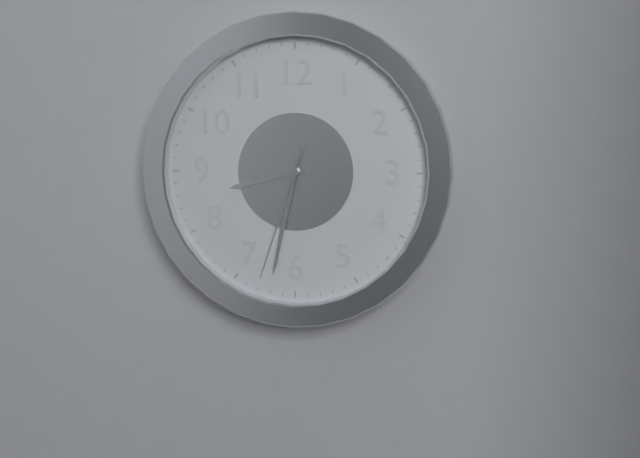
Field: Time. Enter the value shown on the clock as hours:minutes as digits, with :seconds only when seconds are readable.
8:32:33
